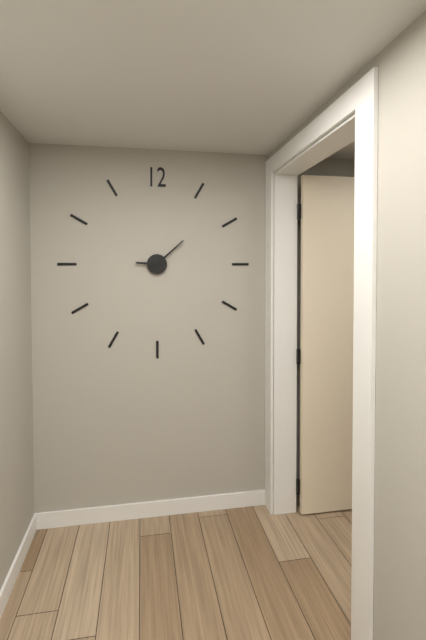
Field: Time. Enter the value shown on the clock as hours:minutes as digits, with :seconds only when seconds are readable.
9:08
